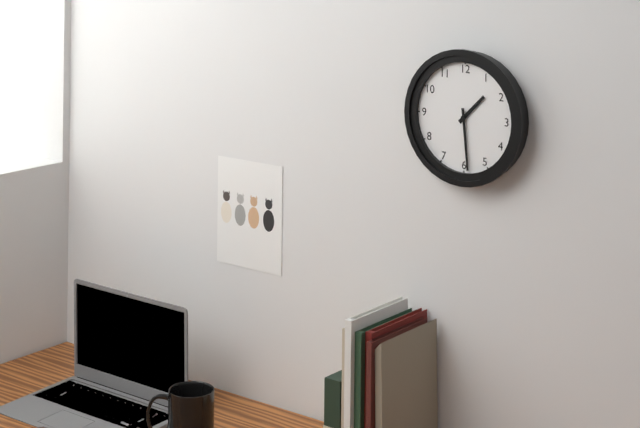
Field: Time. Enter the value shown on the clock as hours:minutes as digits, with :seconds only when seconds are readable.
1:29
